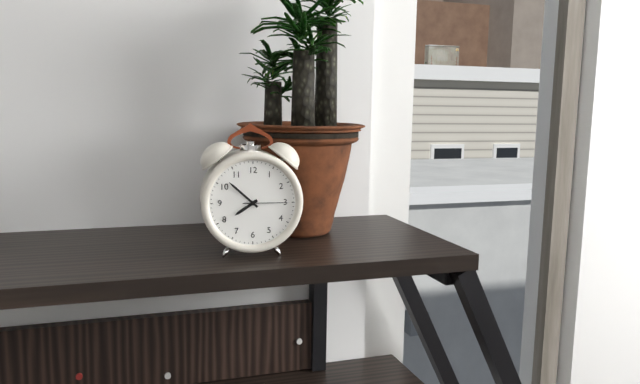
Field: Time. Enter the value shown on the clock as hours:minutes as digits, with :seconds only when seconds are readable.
7:52
